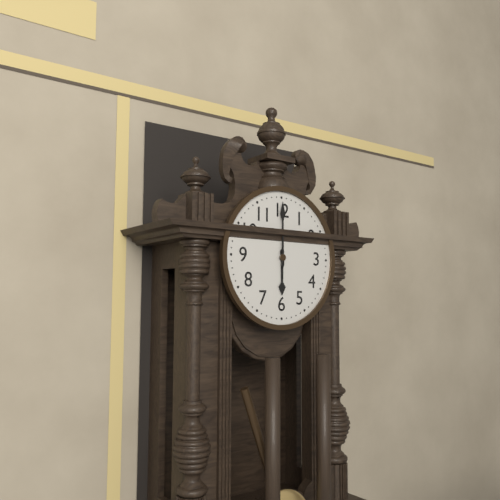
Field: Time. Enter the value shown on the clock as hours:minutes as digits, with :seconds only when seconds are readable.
6:00
